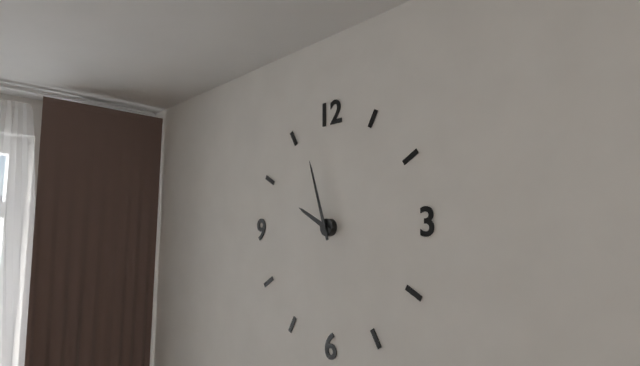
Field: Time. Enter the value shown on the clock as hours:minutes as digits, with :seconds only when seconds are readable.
9:57
